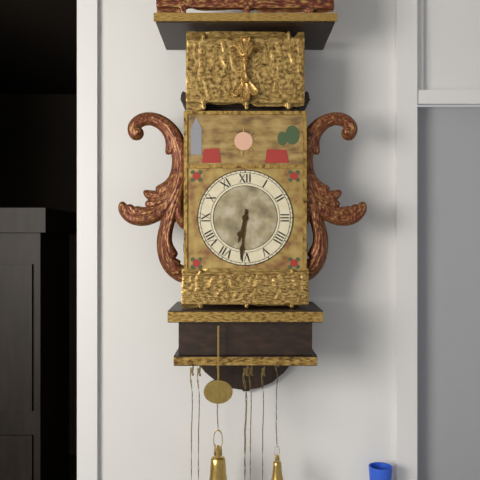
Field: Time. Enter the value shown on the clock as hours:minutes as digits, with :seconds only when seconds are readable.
6:31
